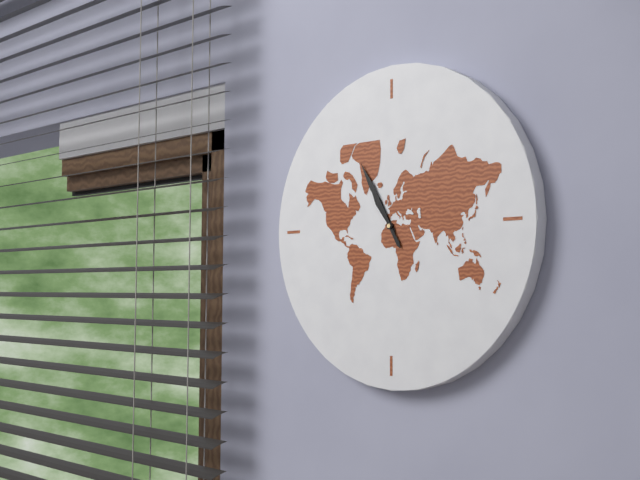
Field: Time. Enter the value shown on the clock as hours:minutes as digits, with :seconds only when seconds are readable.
10:55
